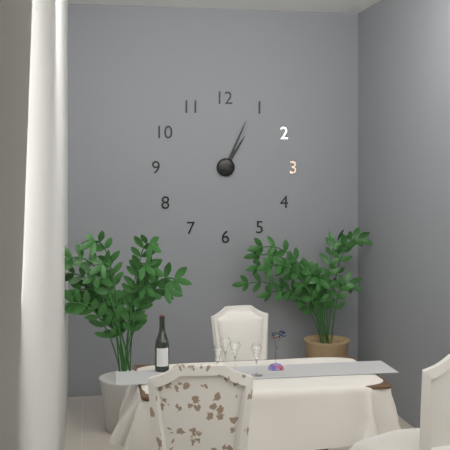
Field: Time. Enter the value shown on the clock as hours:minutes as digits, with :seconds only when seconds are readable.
1:04
